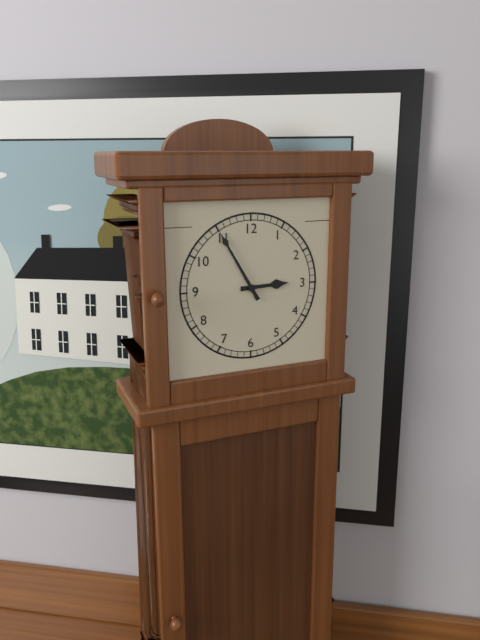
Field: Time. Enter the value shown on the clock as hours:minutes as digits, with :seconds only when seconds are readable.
2:55
